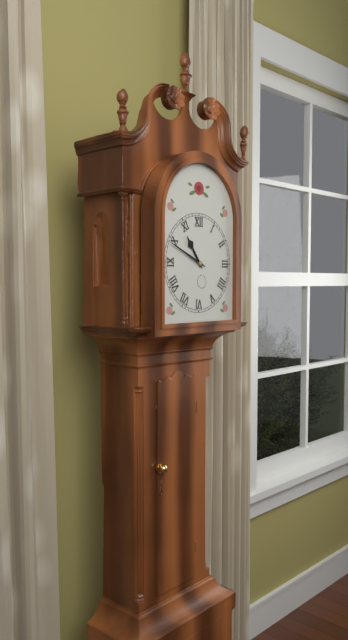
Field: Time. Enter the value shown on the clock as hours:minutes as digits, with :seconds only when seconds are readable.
10:49
